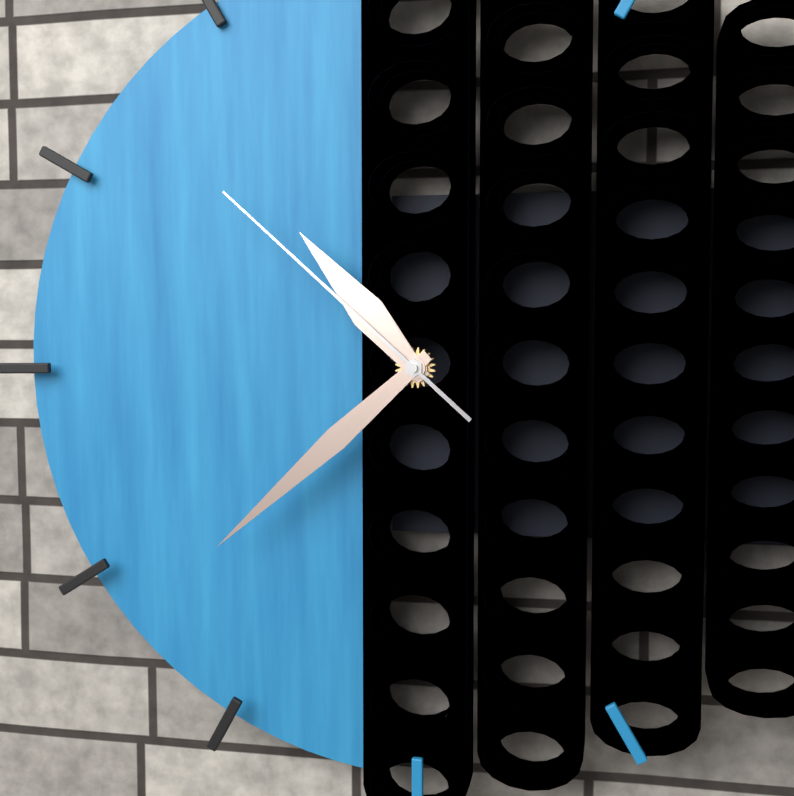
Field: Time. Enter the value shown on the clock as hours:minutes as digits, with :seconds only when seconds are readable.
10:38:52
